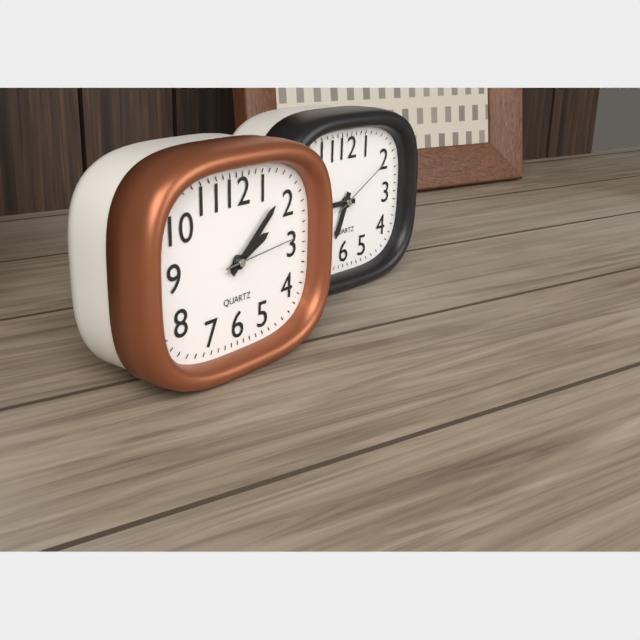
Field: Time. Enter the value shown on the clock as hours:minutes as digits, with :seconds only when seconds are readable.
2:08:14
